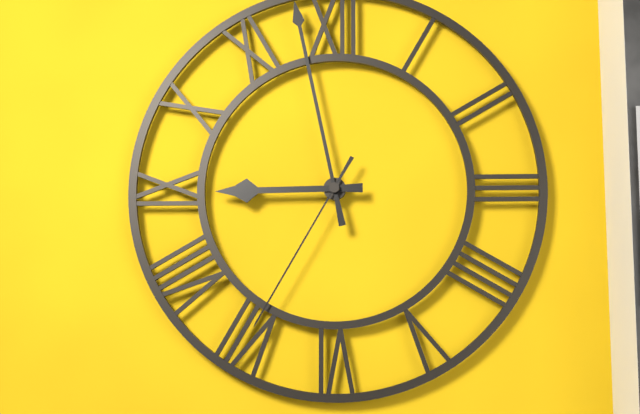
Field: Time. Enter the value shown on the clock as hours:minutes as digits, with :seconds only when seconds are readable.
8:58:35
